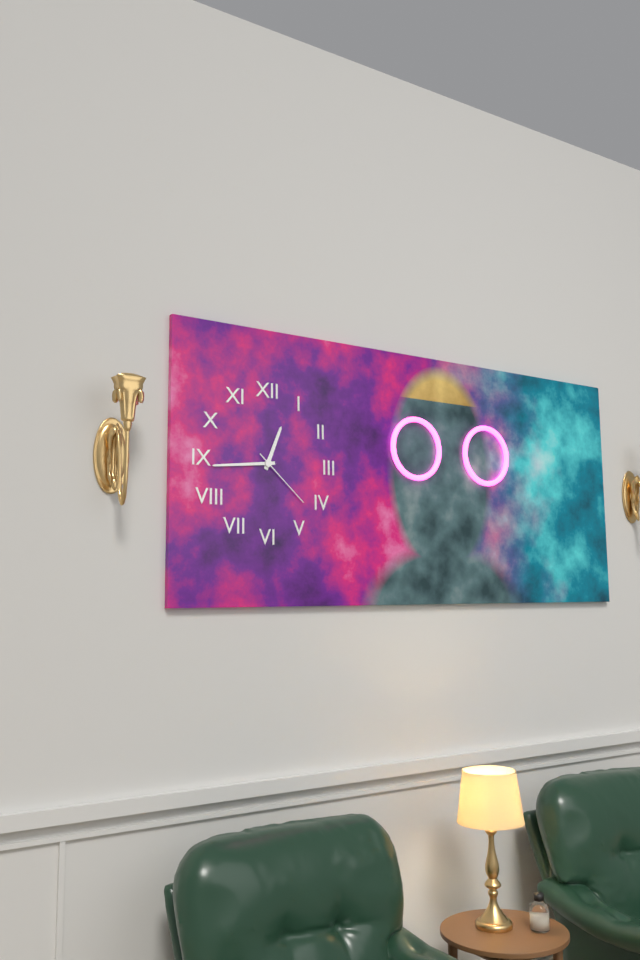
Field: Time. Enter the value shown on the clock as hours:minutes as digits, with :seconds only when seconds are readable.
12:44:22
